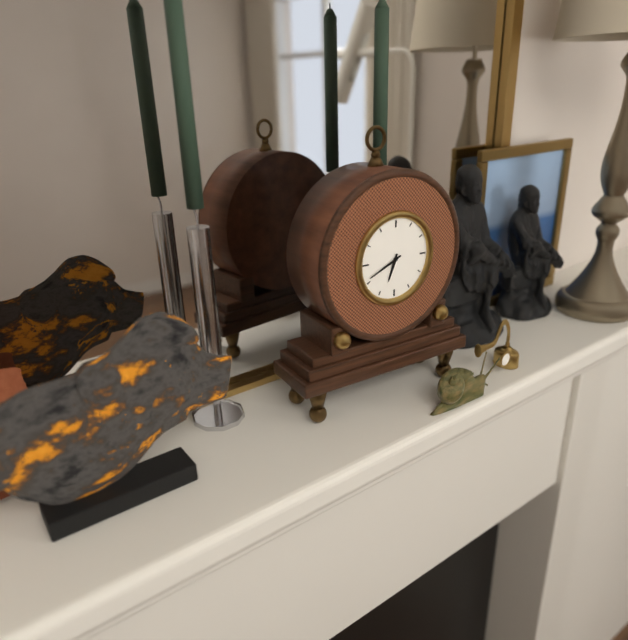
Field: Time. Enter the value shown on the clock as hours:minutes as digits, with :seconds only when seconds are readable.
6:41
